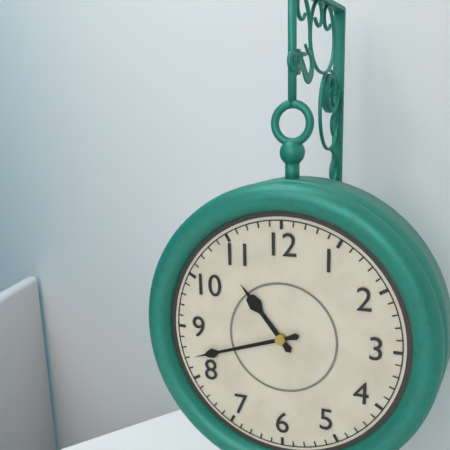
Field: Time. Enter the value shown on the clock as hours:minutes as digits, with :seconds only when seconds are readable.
10:42
